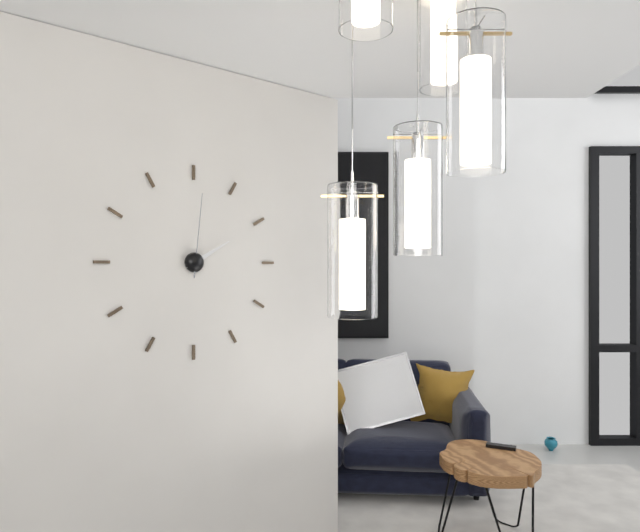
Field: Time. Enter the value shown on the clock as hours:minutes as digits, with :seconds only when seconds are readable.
2:01
